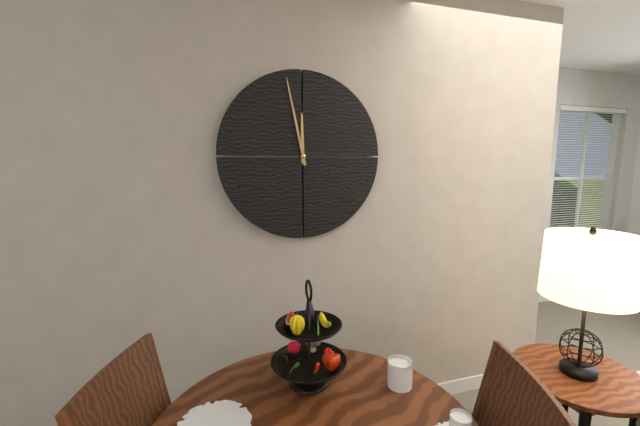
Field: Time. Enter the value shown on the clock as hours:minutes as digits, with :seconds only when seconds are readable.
11:58
